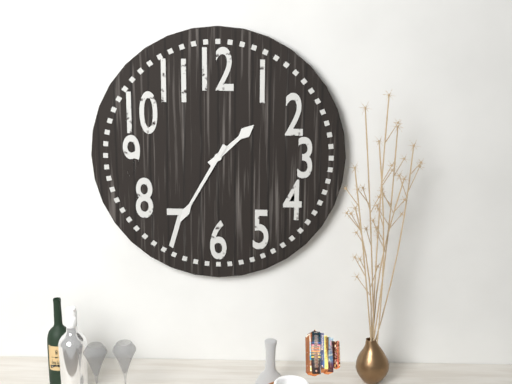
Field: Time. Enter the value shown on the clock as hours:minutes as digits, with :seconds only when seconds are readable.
1:35
